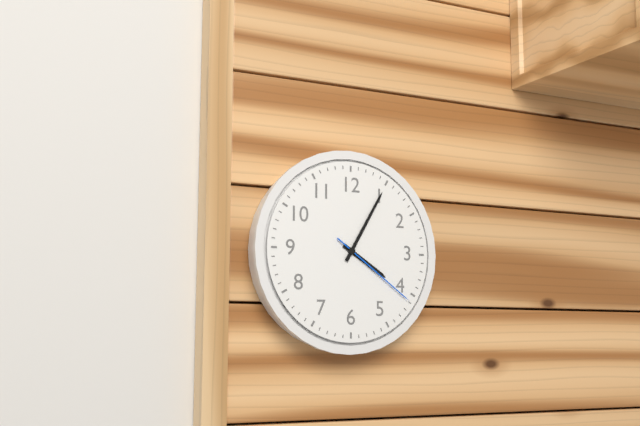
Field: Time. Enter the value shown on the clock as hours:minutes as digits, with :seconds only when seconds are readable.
4:05:21
